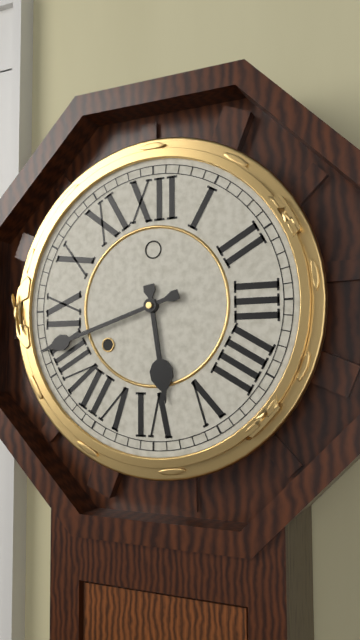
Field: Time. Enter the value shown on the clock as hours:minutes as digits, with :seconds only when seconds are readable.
5:42
